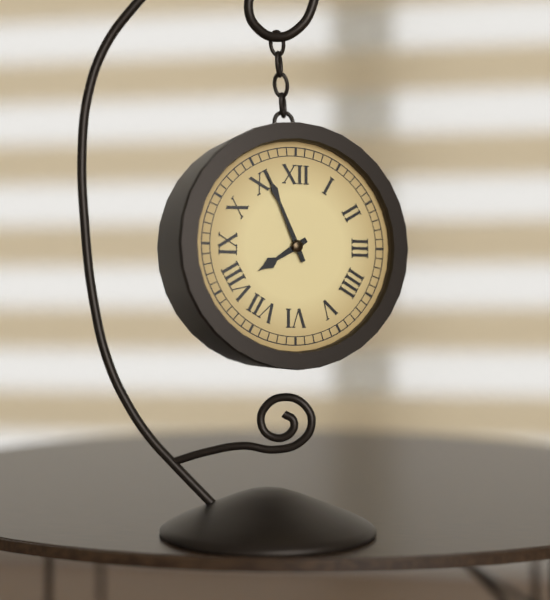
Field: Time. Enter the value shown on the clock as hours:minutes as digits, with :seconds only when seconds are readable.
7:56
